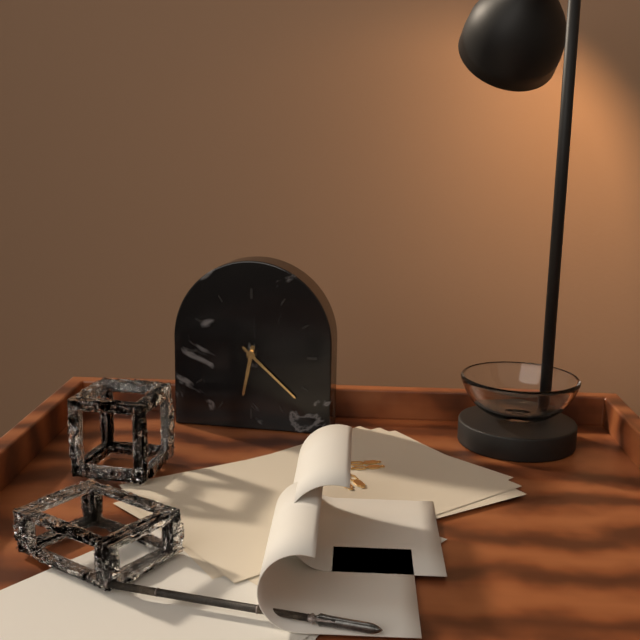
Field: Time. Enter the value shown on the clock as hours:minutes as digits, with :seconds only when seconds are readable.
6:22
